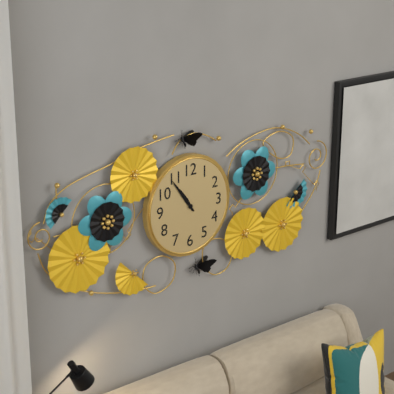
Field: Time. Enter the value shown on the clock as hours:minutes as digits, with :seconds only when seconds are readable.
10:54
